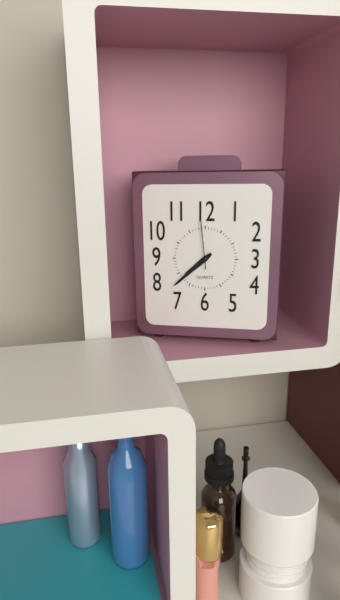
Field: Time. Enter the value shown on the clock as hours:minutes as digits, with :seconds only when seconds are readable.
7:38:59
